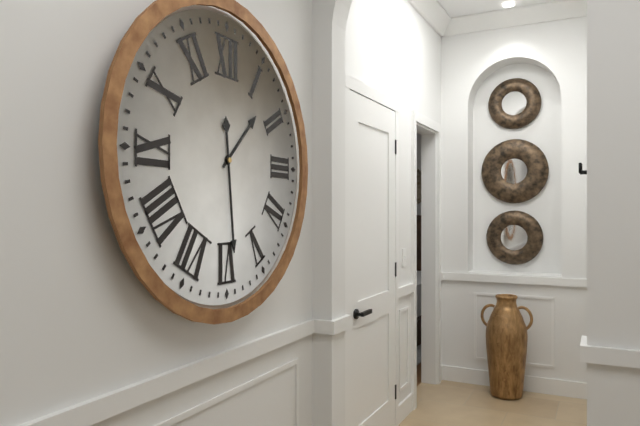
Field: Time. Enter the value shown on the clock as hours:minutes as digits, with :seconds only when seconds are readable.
1:29
